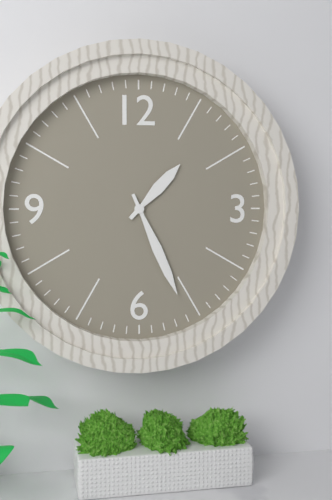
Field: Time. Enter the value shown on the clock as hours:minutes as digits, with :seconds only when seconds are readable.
1:26
